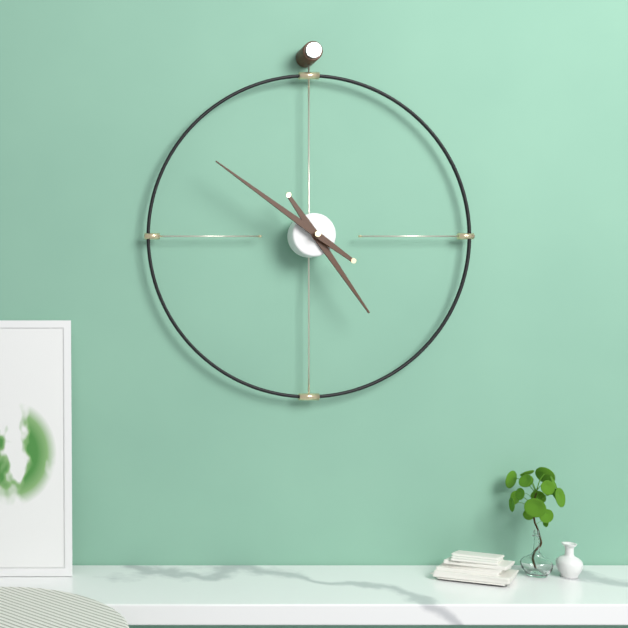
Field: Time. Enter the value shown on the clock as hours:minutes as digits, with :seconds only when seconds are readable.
4:51
